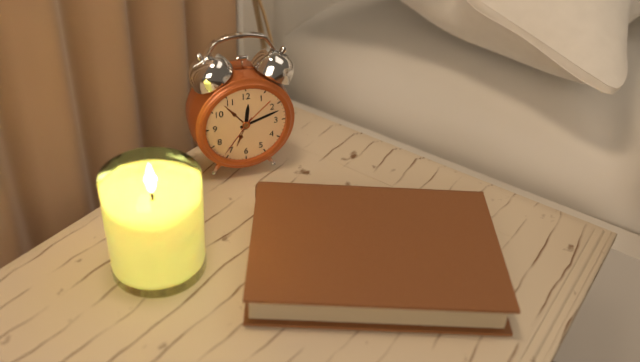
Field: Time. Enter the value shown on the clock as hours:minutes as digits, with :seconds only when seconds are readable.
12:12
